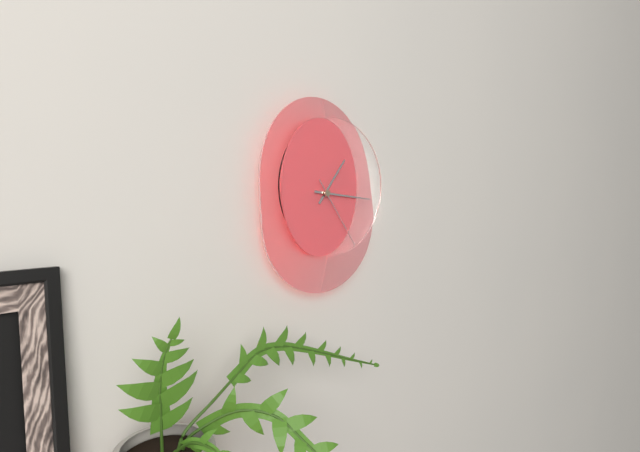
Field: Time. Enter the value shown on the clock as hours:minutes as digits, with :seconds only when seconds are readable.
1:16:24
